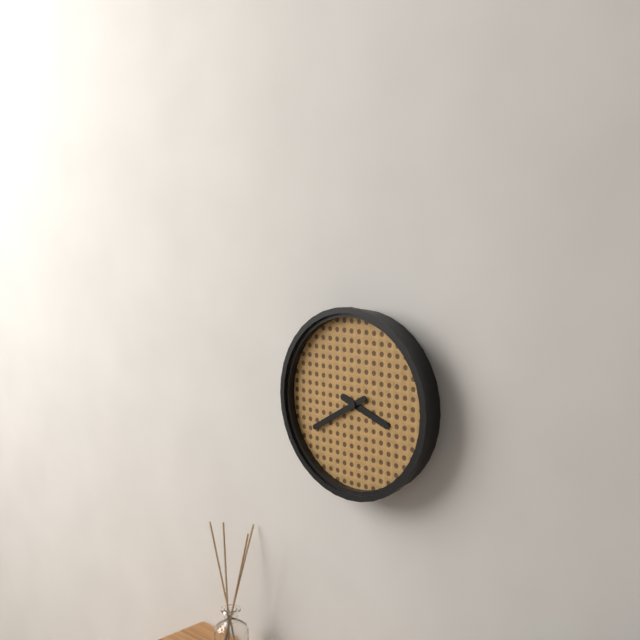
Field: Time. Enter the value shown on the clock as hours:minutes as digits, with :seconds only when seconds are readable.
3:40
